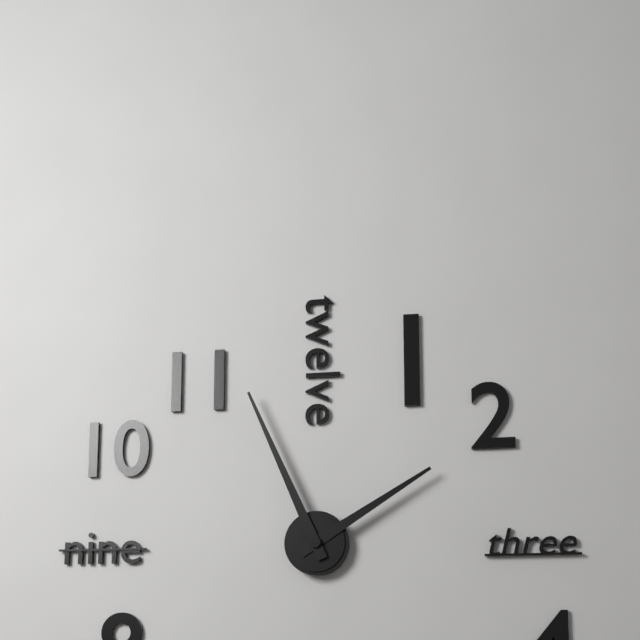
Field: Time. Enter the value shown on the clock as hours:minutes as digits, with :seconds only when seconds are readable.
1:56
